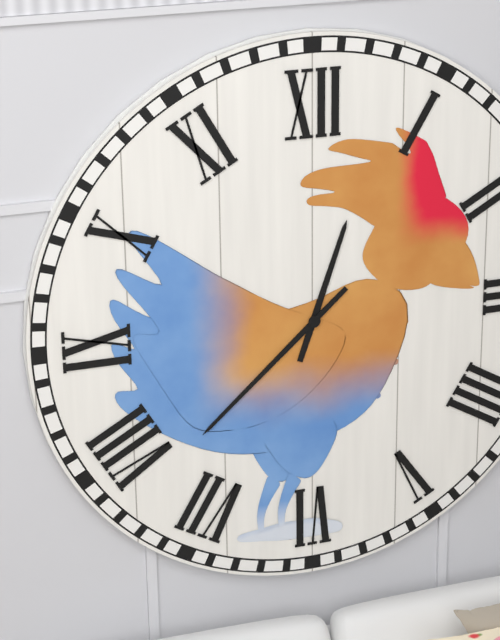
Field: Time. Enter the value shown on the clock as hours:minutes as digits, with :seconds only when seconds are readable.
12:38
